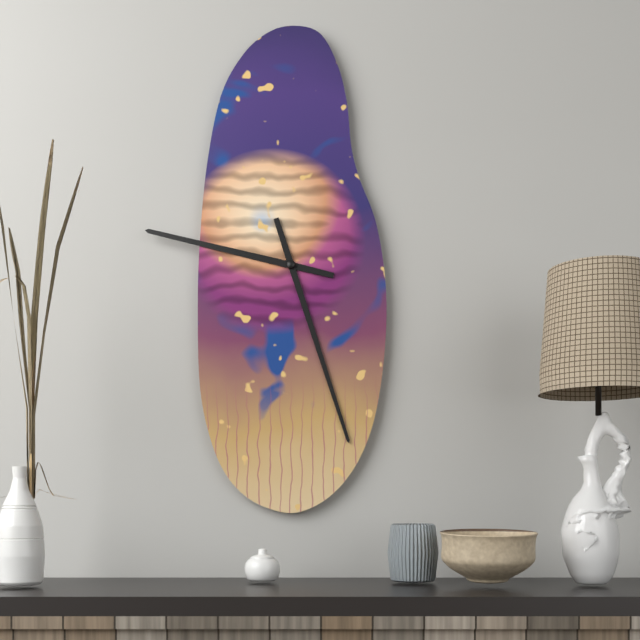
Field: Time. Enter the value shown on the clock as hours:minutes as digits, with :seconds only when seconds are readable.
9:27
